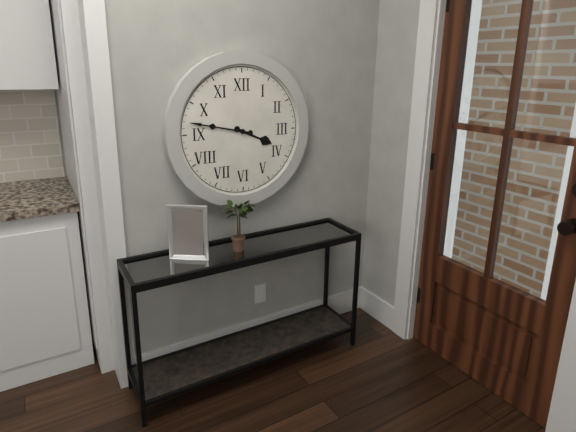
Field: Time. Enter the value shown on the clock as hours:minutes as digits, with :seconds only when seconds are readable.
3:47
